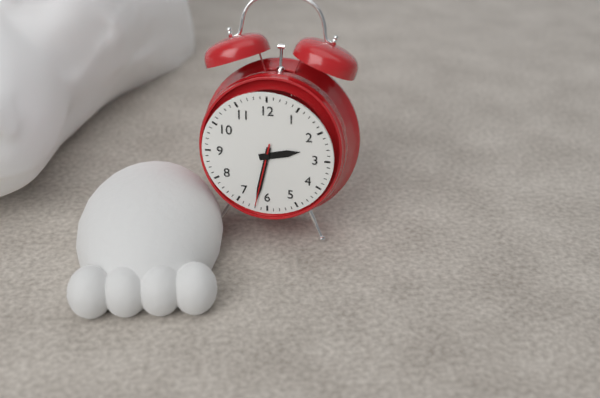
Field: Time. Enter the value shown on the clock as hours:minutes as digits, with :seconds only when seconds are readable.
2:32:32
